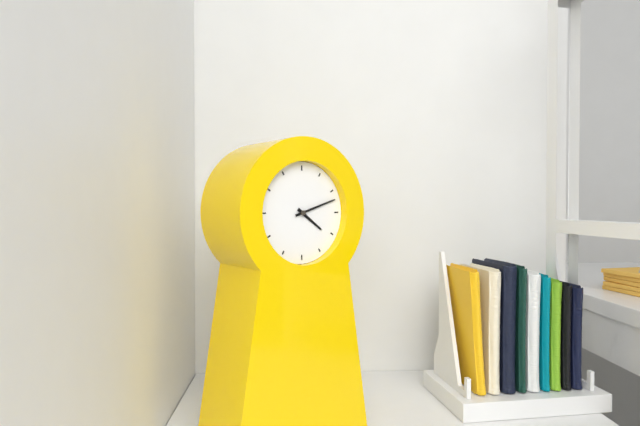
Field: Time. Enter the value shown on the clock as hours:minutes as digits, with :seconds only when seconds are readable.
4:12
